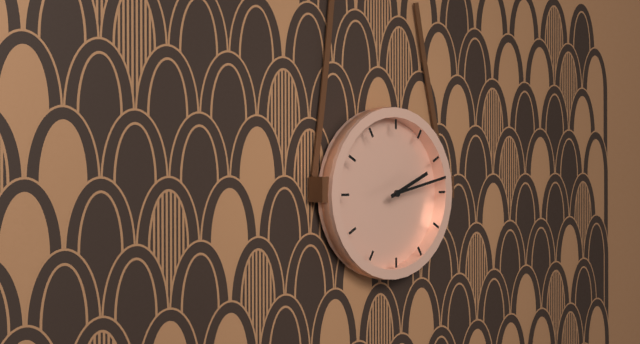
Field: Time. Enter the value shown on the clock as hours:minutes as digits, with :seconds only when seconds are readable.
2:13
